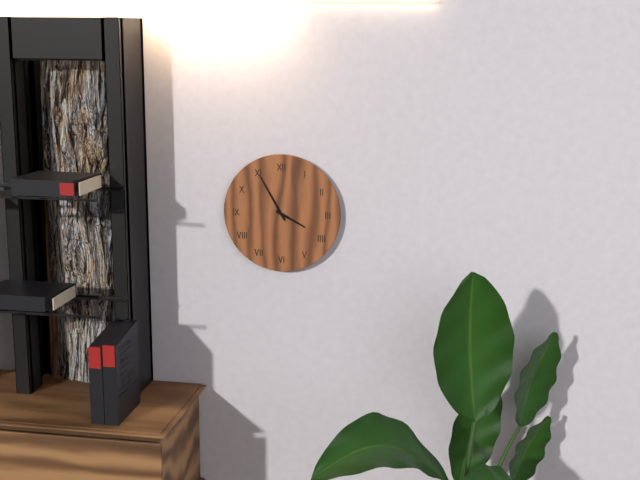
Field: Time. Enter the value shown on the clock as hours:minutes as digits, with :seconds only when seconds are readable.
3:55
